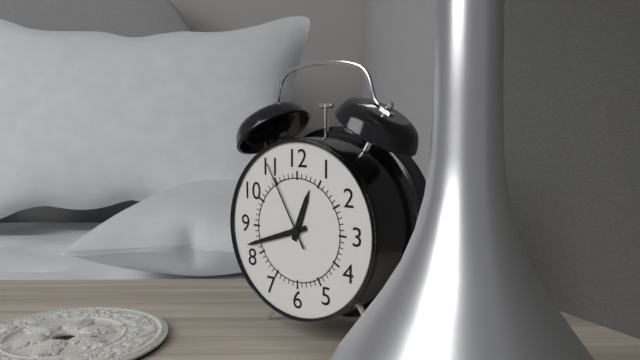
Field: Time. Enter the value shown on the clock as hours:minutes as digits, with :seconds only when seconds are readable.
12:42:55
